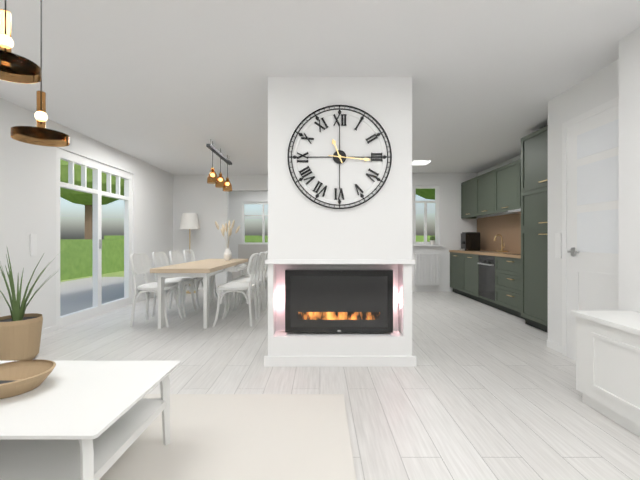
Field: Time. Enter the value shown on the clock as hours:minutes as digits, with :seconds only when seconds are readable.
11:16
